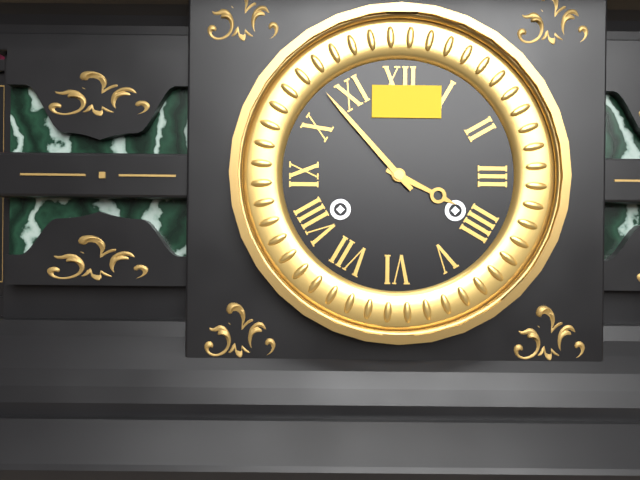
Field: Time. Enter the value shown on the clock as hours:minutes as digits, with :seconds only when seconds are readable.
3:53
